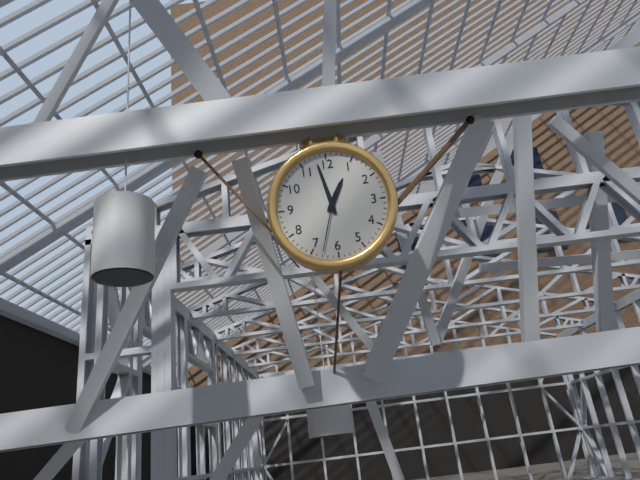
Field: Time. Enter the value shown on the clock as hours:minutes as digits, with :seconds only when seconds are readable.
12:58:33
